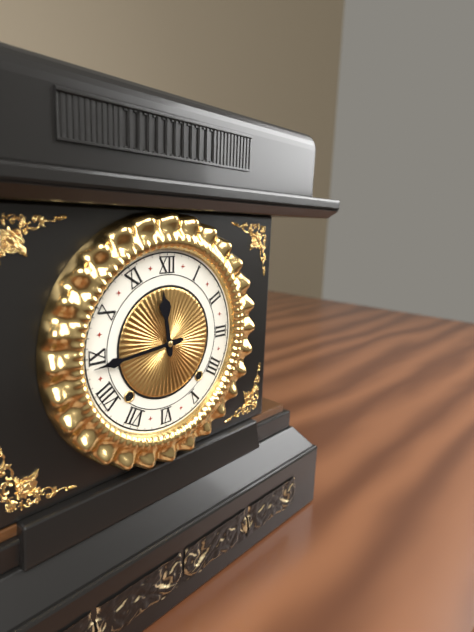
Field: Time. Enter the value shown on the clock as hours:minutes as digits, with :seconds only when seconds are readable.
11:44
